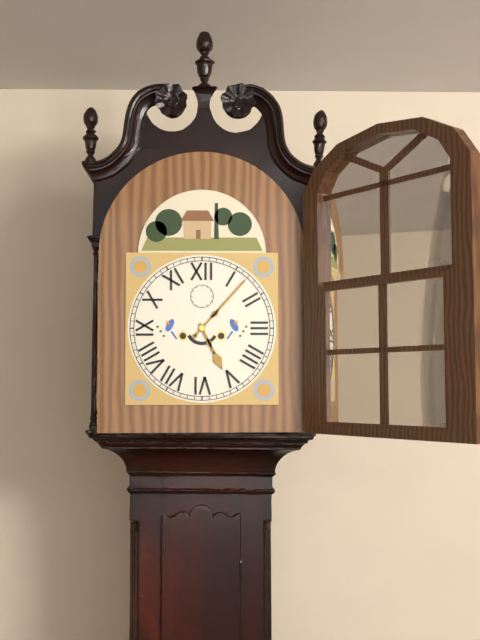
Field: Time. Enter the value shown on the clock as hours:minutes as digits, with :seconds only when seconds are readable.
5:07
